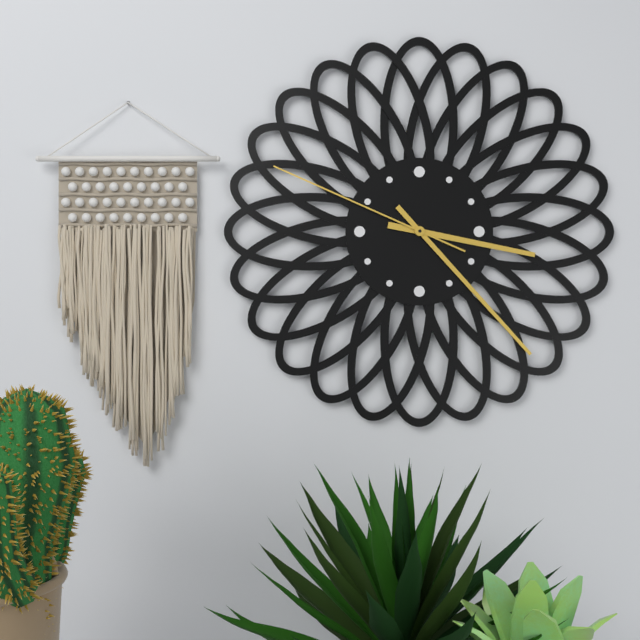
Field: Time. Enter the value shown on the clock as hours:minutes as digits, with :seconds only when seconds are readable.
3:23:49
